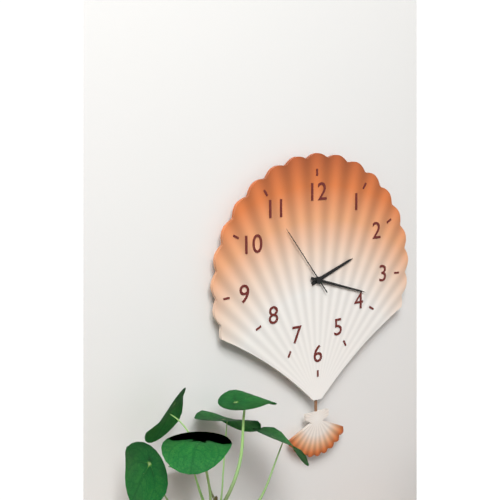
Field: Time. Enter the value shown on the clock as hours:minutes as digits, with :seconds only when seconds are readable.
2:18:54
